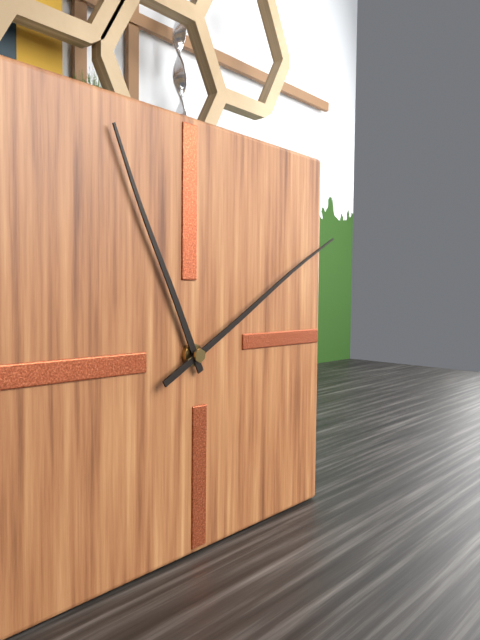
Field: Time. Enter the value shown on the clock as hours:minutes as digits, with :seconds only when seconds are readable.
11:10
